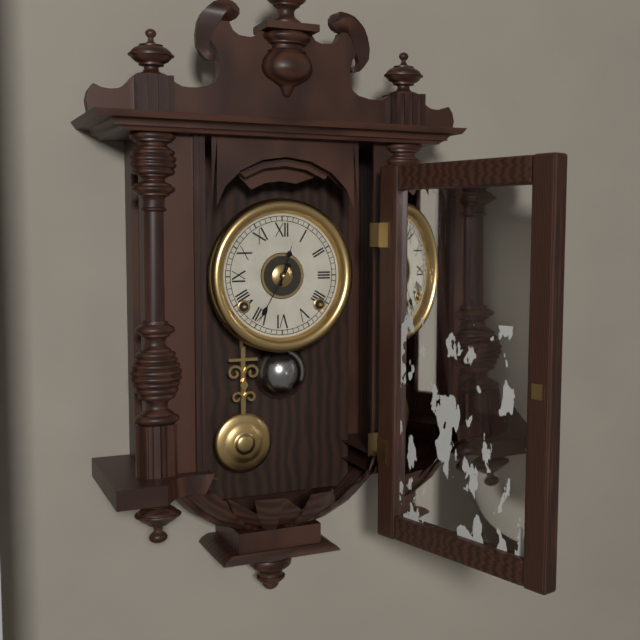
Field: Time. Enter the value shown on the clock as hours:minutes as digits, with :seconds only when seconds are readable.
12:35
